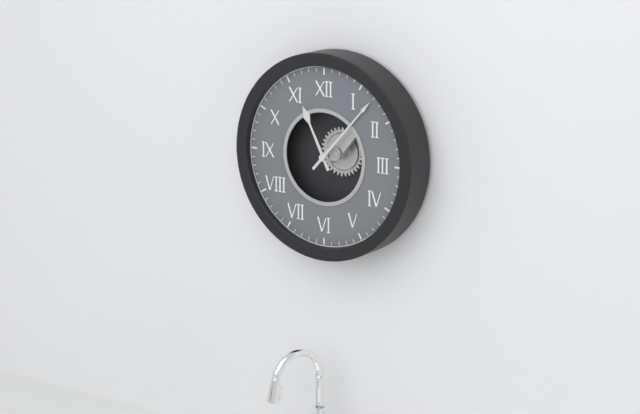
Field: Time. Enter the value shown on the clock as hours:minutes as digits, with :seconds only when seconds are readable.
11:07
